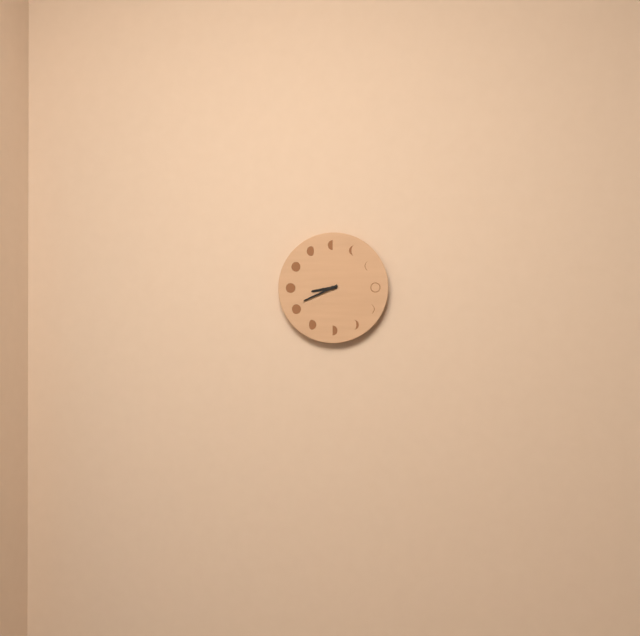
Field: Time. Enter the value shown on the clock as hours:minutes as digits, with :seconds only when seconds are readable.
8:41
